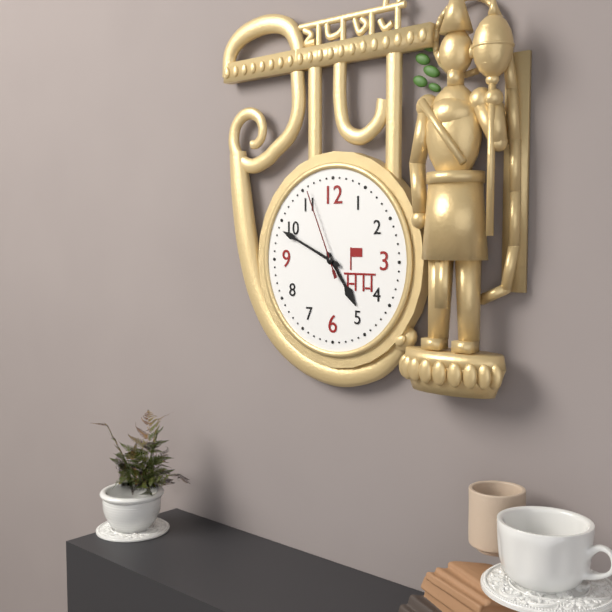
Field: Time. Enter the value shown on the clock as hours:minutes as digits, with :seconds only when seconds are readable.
4:49:56
